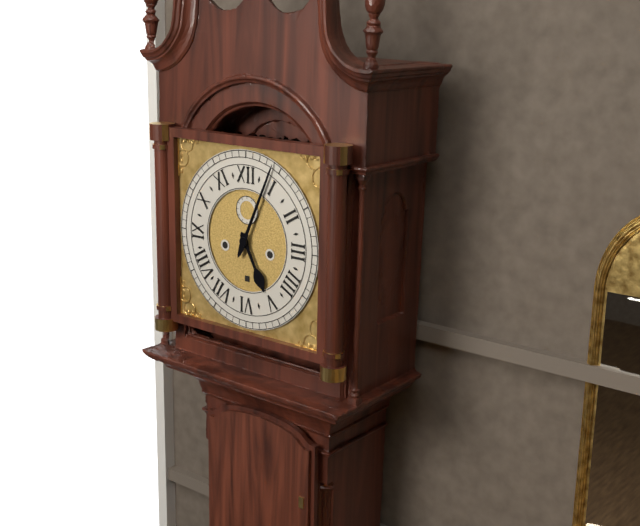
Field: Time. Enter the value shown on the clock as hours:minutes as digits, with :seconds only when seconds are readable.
5:04
